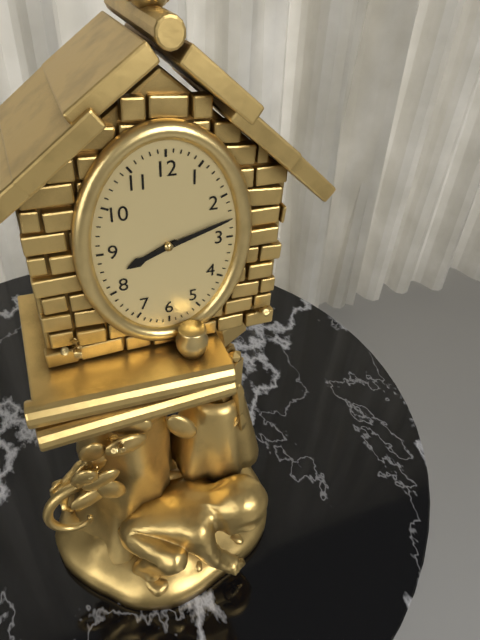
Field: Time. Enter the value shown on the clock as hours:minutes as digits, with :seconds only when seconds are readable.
8:12
